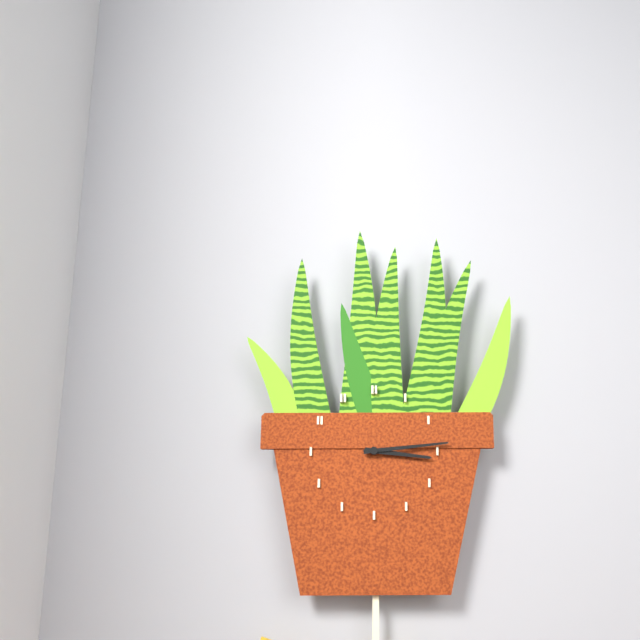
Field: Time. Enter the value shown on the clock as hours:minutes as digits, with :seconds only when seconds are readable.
3:14
